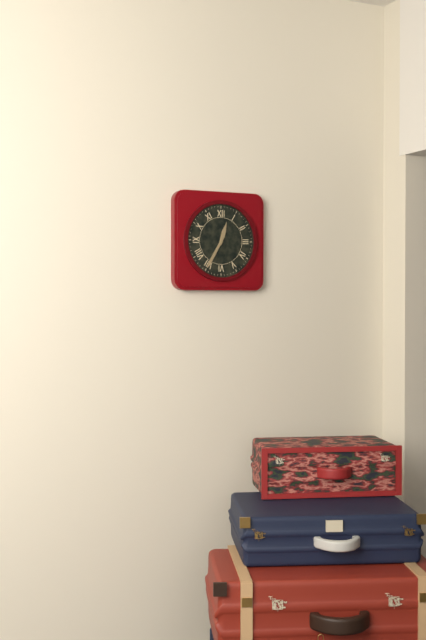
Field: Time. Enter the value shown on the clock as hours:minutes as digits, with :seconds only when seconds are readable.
12:35
